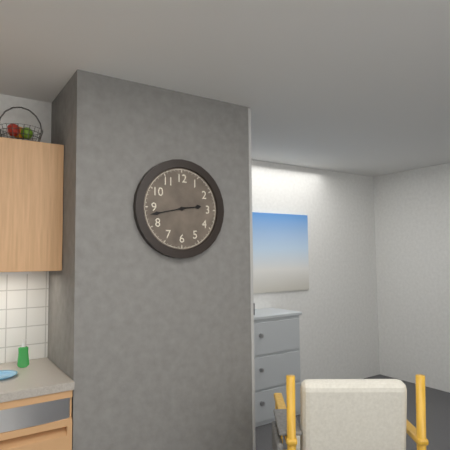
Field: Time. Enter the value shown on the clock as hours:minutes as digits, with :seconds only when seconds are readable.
2:43
